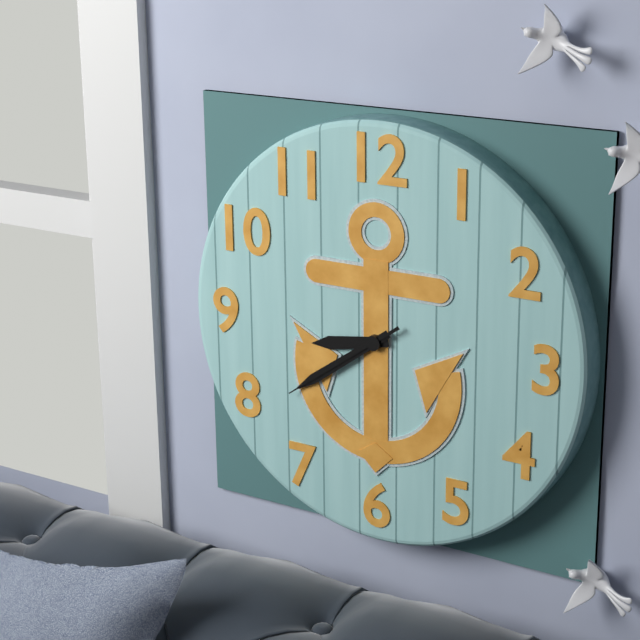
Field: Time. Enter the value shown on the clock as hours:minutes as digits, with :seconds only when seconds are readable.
8:39:39
